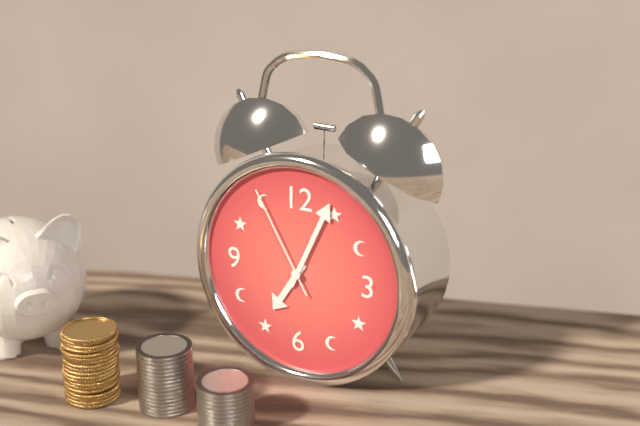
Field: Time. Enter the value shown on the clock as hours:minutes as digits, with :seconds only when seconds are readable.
7:04:55
